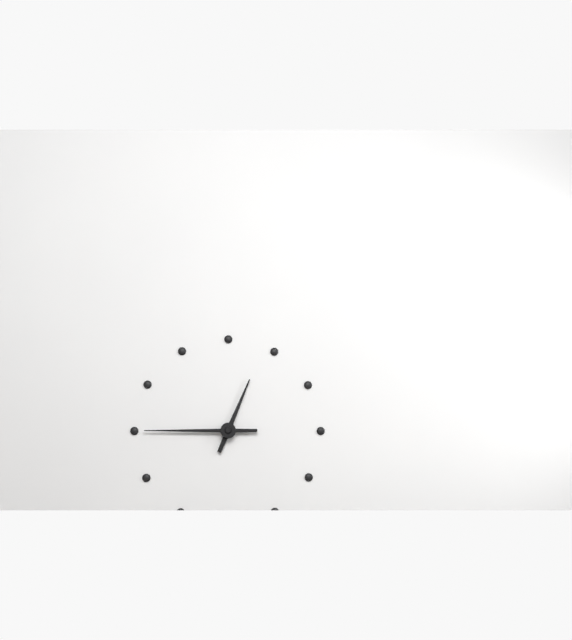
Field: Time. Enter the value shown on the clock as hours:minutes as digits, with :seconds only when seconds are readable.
12:45
